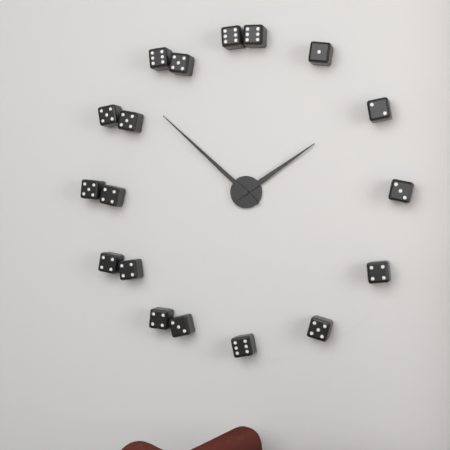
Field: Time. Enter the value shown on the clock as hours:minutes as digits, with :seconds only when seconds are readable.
1:52
